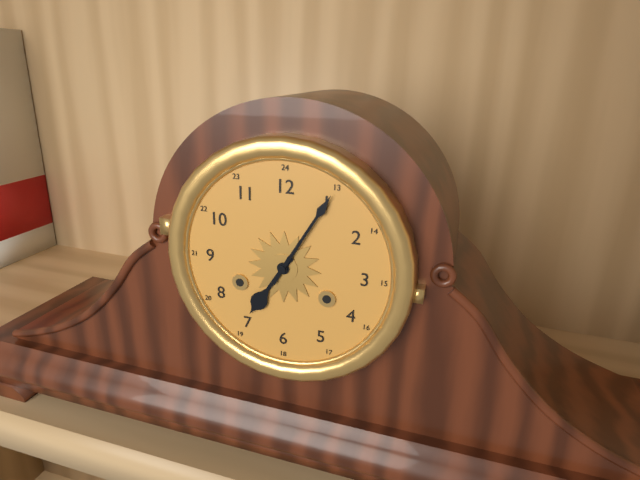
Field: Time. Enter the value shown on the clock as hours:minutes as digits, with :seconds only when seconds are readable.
7:05
